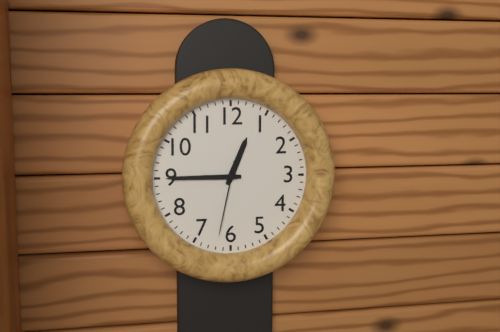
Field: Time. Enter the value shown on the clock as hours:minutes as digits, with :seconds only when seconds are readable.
12:45:32
